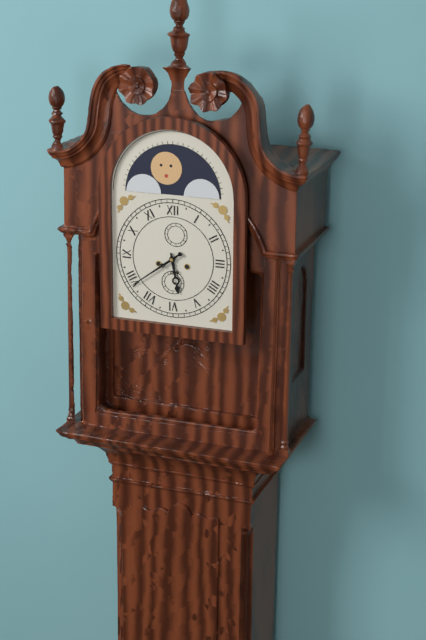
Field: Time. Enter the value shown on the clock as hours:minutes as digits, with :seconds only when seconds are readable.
5:39
